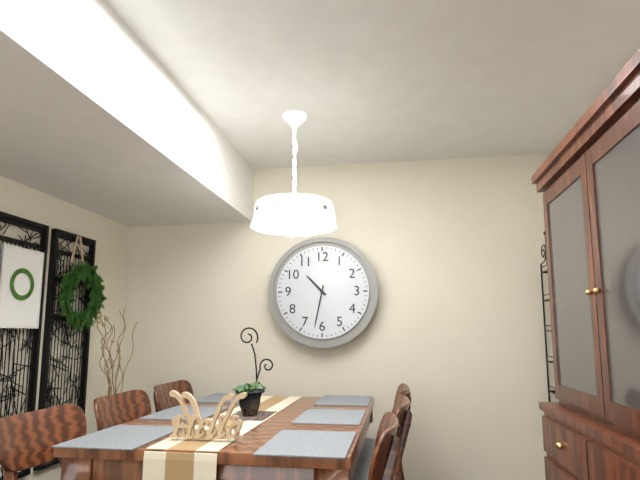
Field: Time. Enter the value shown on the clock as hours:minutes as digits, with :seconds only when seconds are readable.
10:32
